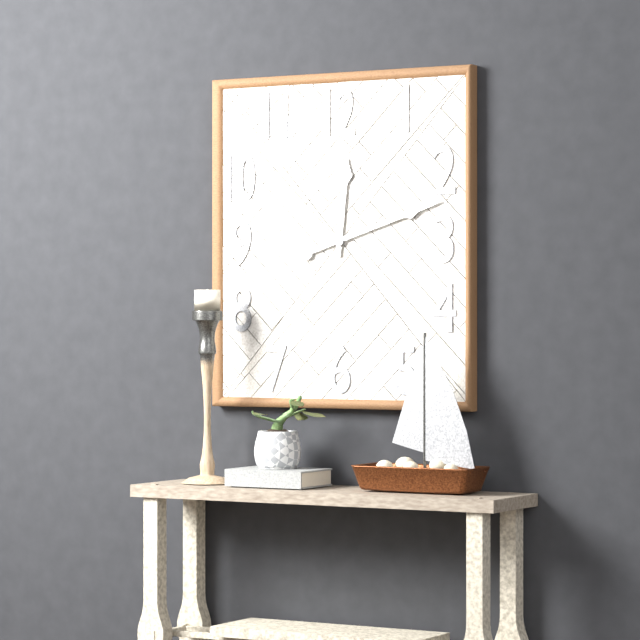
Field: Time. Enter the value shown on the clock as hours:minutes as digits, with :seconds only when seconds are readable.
12:12
